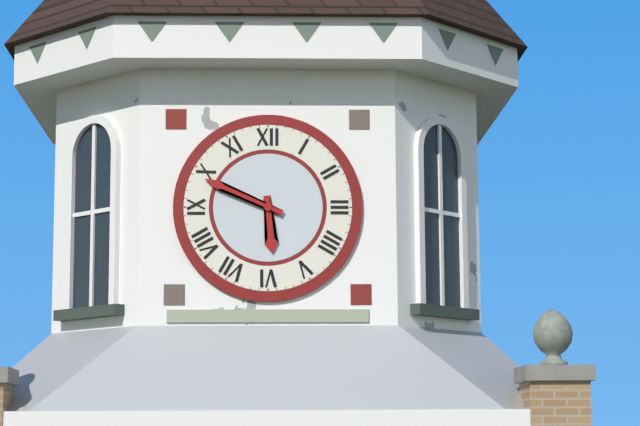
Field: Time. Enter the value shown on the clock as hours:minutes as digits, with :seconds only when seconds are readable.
5:49
